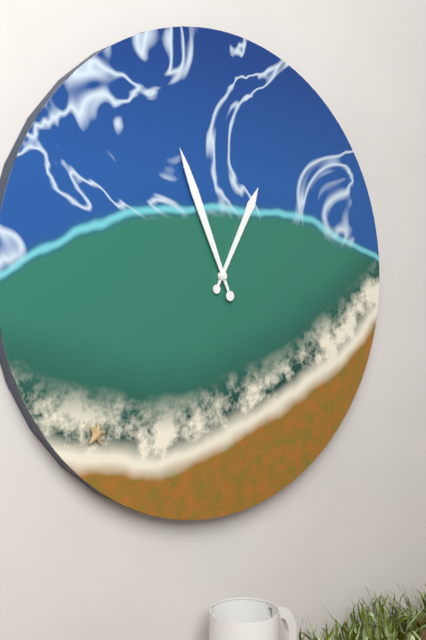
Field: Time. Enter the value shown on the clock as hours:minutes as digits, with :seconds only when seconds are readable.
12:56
